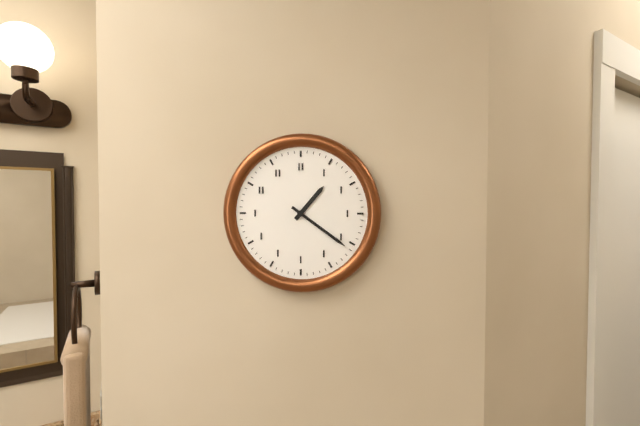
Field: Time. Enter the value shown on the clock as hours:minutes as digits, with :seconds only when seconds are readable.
1:21
